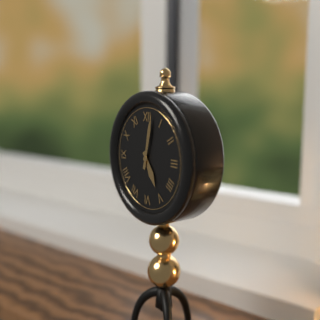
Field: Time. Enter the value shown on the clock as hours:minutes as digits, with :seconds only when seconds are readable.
5:02
